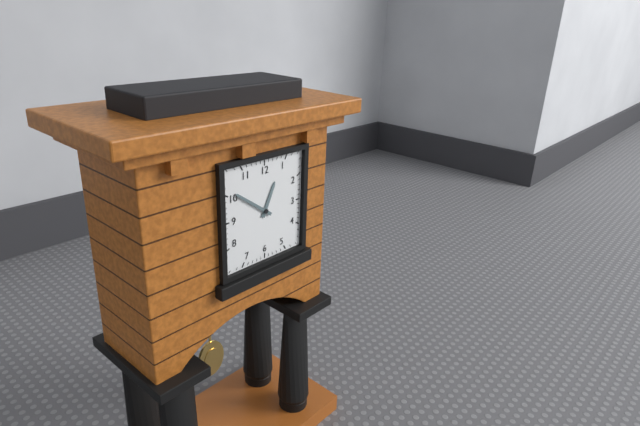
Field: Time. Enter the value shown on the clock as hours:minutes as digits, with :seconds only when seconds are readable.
12:51
